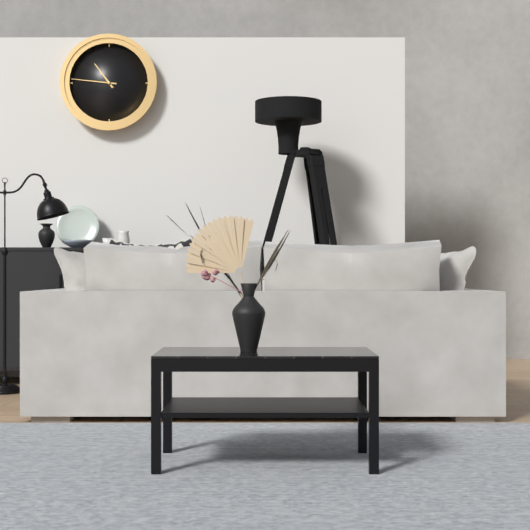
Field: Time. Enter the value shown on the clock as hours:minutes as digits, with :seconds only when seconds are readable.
10:46
